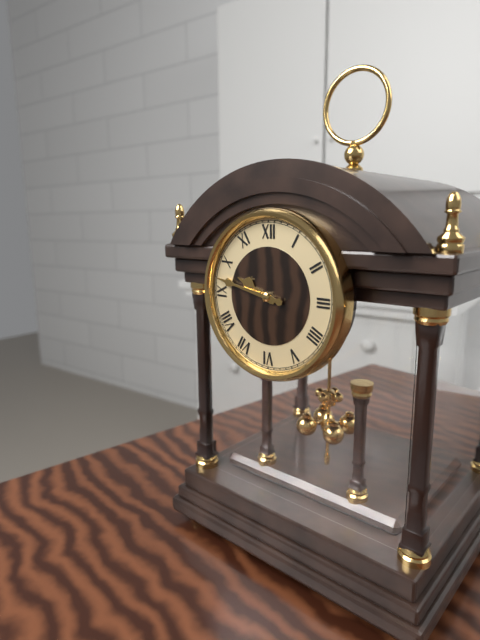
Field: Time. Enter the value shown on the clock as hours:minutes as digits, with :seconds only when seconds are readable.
9:47
